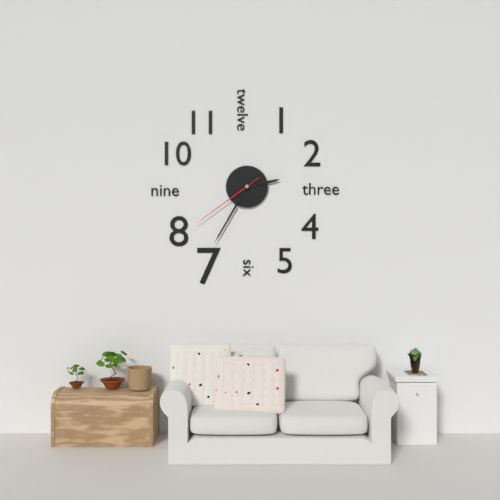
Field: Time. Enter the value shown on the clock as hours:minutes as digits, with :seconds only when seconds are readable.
2:35:39
